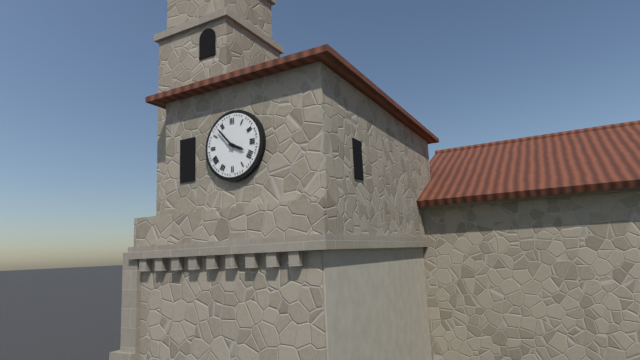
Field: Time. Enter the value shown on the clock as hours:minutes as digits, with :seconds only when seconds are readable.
3:53
